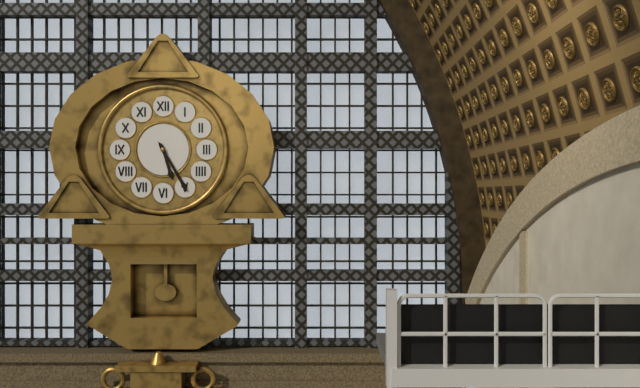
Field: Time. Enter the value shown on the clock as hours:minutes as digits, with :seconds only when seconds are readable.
5:25
